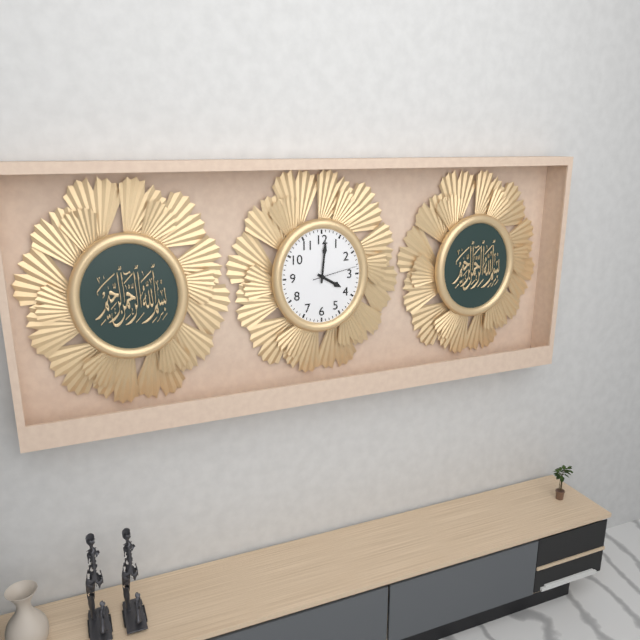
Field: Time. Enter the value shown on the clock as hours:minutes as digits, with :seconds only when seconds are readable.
4:01
